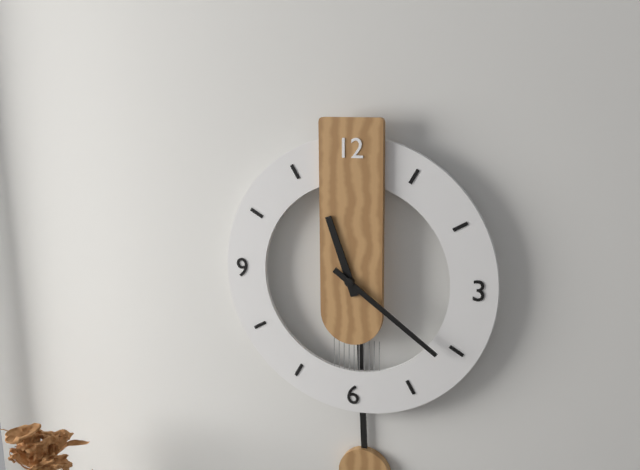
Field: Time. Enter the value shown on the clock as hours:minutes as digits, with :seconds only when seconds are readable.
11:21
